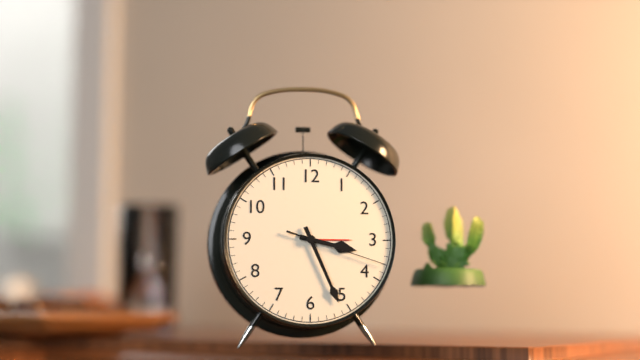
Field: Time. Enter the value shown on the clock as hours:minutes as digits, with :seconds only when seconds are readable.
3:26:18
